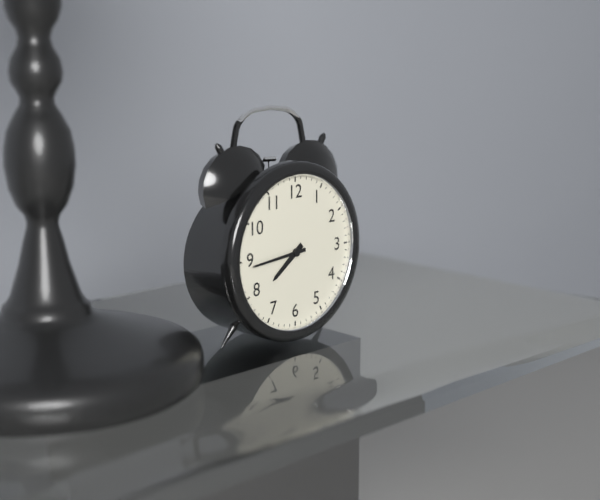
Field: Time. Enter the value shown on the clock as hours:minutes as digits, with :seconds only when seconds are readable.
7:44
